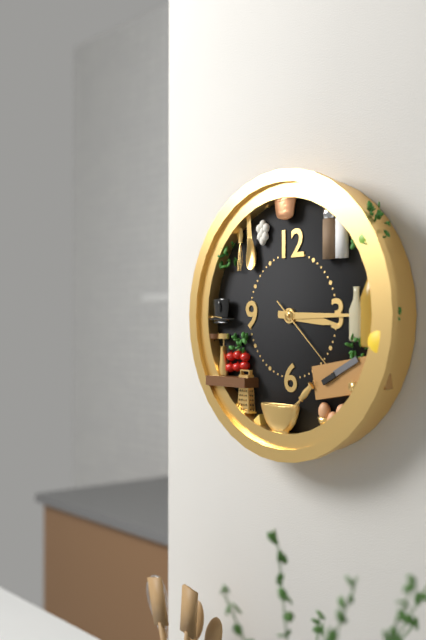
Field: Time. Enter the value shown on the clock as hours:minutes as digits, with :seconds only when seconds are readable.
3:15:22
